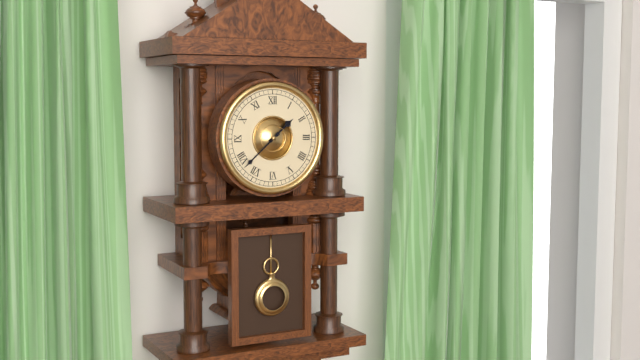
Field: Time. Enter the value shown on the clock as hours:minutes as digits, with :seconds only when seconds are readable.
1:38
